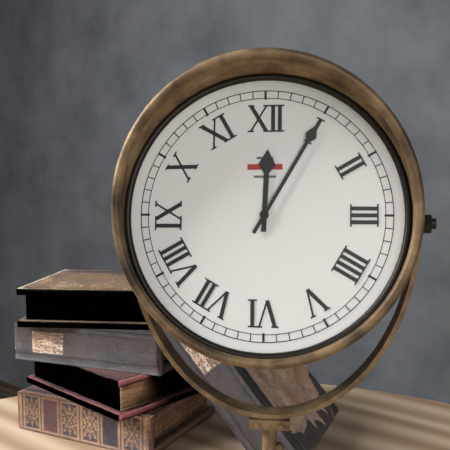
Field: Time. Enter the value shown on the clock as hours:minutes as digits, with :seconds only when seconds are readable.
12:05
